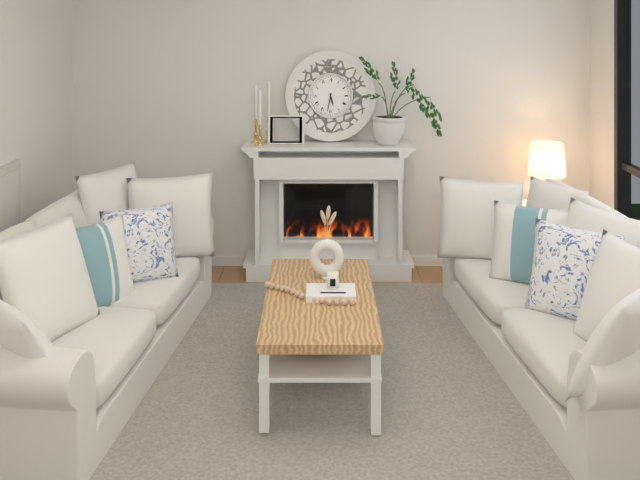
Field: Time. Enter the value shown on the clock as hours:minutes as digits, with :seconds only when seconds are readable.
5:32
